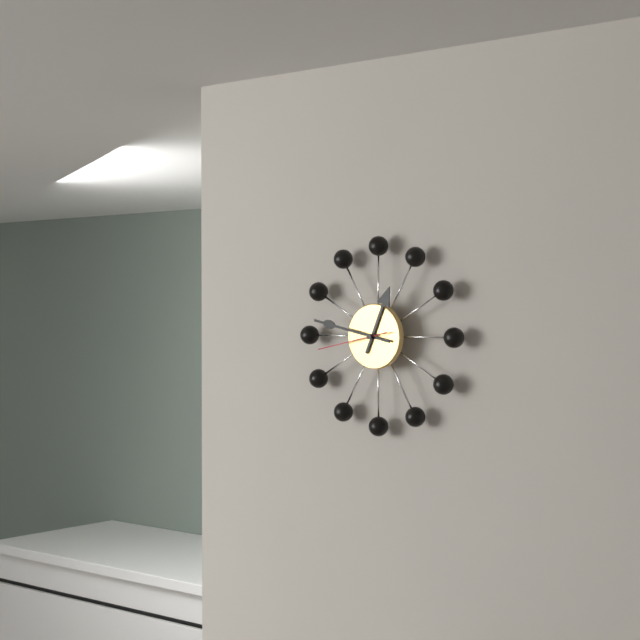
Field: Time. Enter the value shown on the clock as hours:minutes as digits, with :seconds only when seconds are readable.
12:47:43
